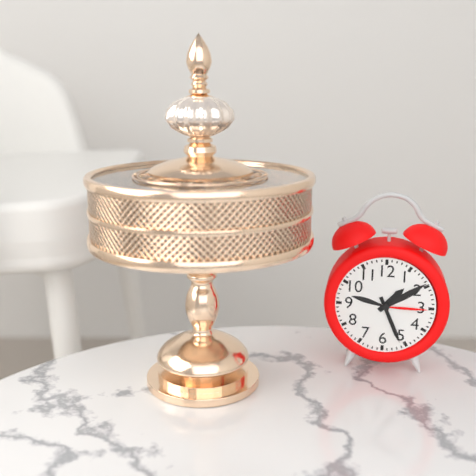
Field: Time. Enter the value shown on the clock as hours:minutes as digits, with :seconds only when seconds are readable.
1:26
